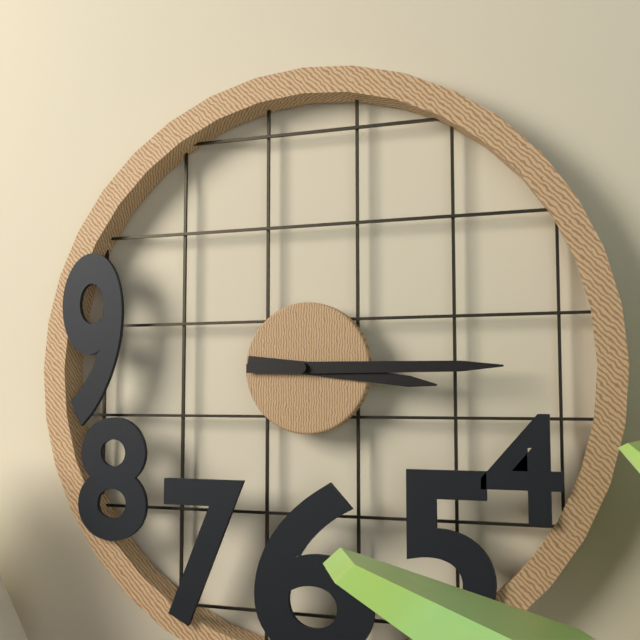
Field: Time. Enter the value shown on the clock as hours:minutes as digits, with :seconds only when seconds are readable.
3:15
